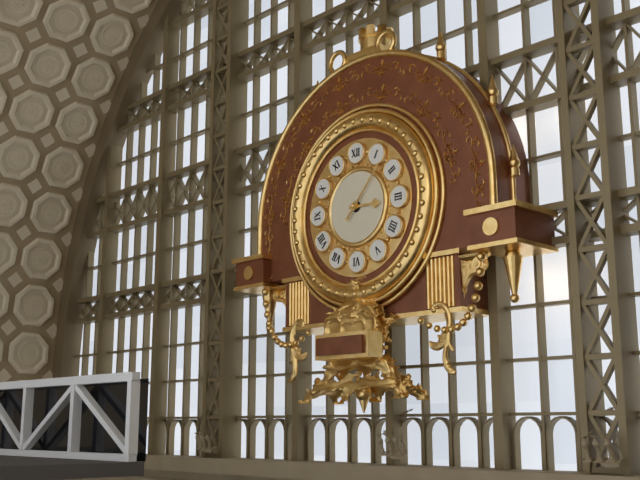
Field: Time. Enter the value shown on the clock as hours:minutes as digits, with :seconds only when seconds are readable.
3:07
